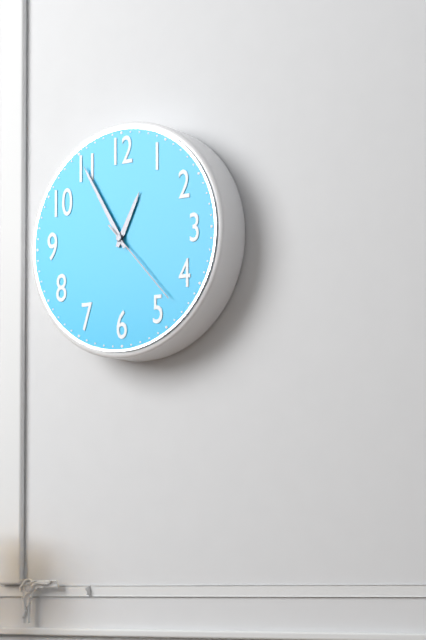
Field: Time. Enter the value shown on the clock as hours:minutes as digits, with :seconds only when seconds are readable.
12:55:23
